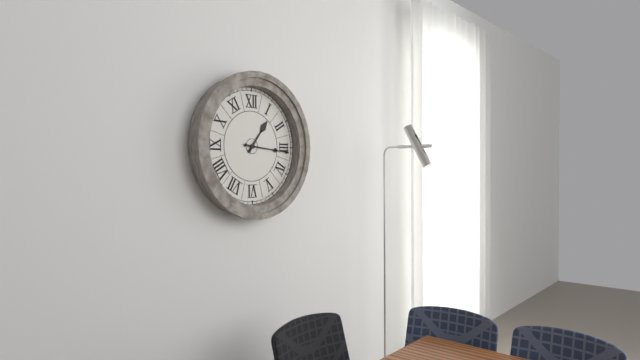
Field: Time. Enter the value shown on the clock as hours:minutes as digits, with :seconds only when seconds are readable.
1:16
